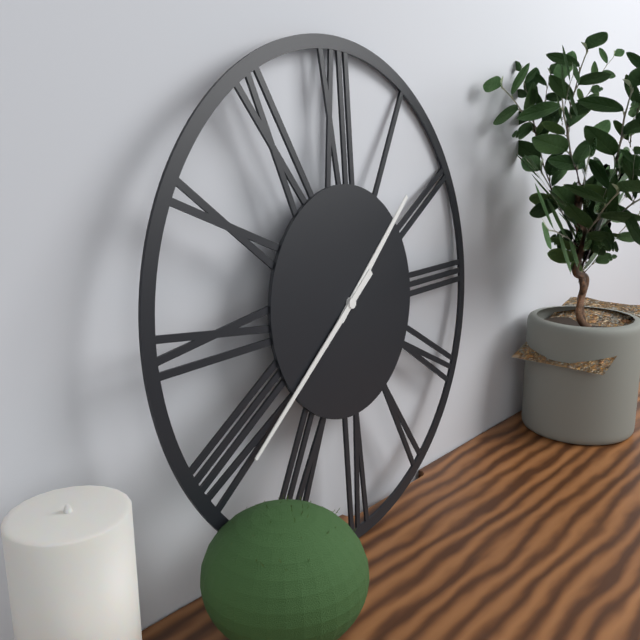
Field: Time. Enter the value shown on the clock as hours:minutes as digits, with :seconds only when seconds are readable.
1:39
